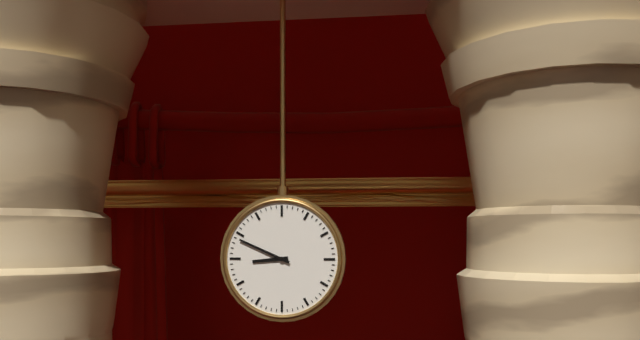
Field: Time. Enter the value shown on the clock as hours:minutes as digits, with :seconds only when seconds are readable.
8:49
